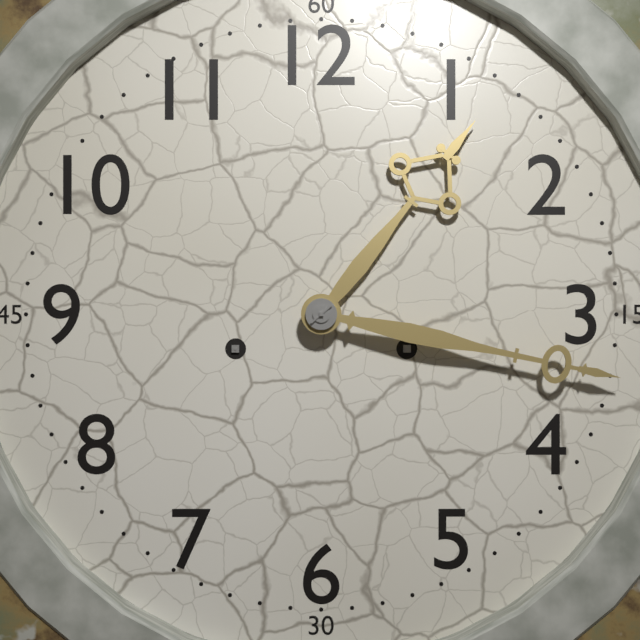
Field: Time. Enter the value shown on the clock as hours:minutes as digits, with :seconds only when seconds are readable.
1:17
